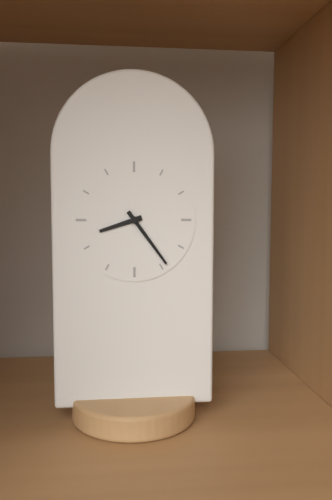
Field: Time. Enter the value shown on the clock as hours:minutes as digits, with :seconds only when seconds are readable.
8:24
